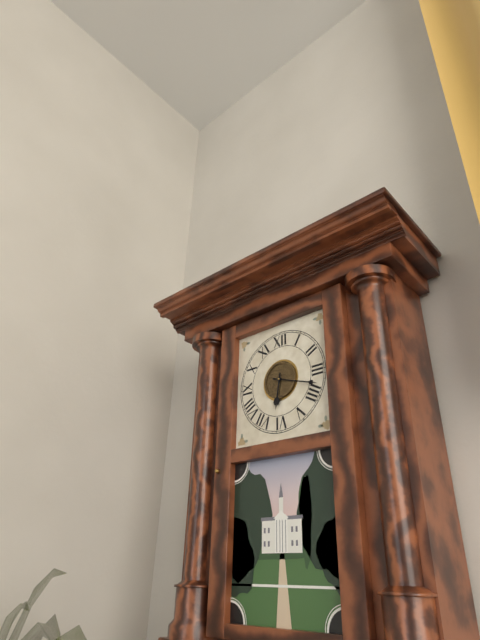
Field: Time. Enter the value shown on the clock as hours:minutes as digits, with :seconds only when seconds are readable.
6:18
